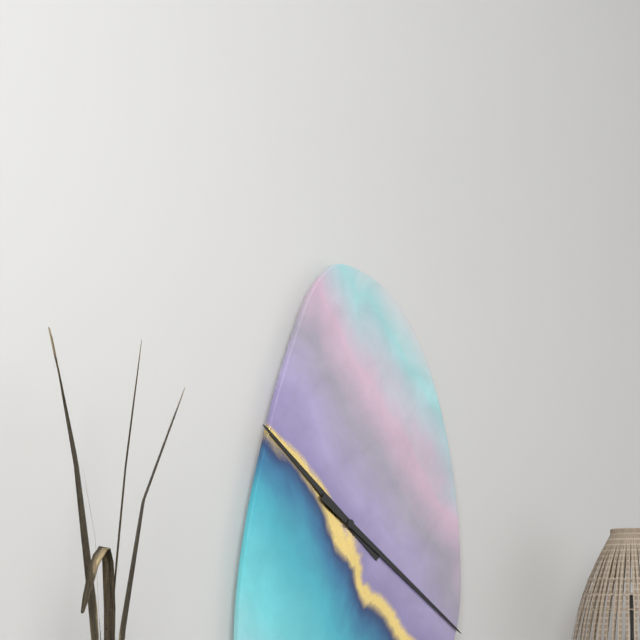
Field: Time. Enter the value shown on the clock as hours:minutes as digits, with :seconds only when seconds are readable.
10:21
